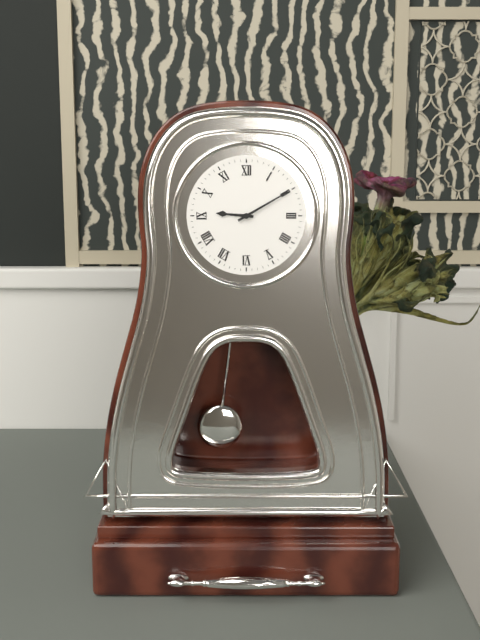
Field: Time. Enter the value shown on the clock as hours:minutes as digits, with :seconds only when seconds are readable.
9:10
